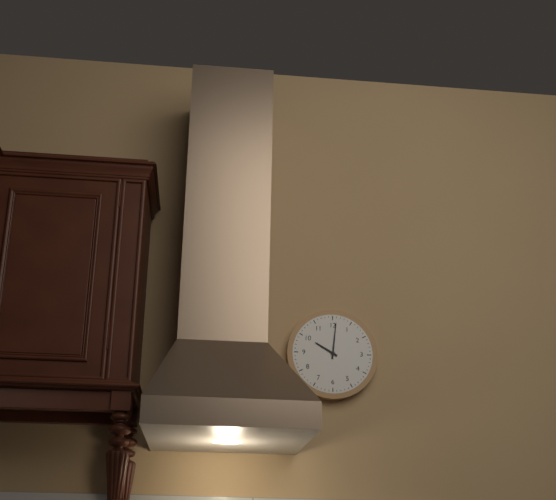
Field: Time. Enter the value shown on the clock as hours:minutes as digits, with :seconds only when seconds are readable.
10:01
